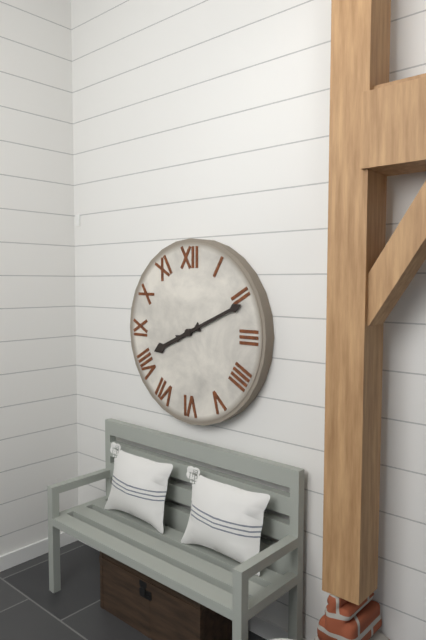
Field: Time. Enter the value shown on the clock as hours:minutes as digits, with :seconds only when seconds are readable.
8:11
